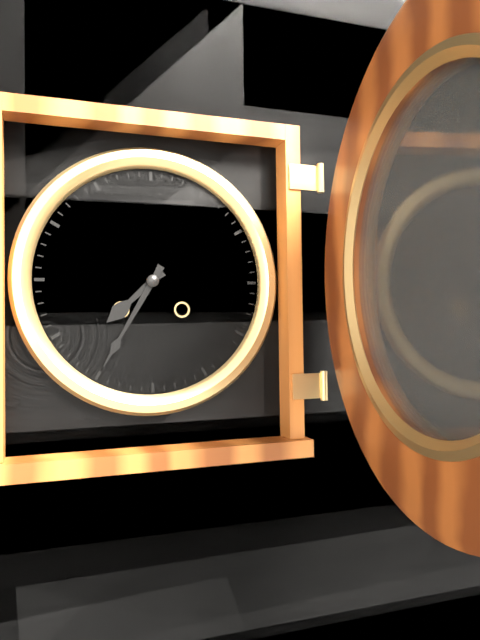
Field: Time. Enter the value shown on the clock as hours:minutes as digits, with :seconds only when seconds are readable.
7:35
